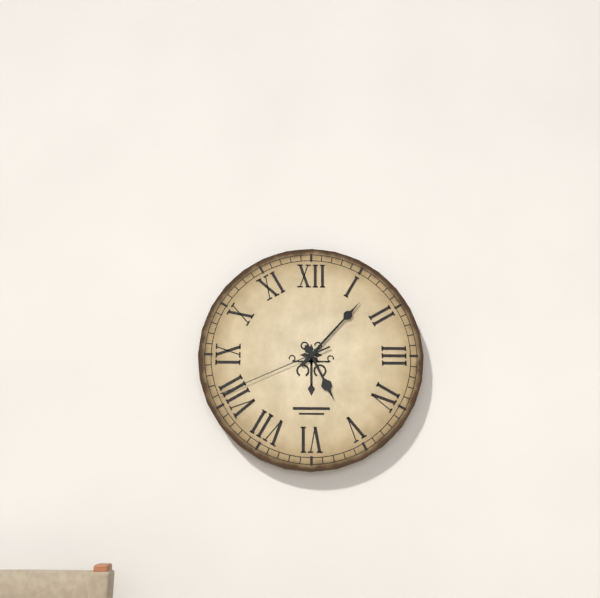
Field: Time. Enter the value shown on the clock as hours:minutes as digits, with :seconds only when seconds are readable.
5:07:41
